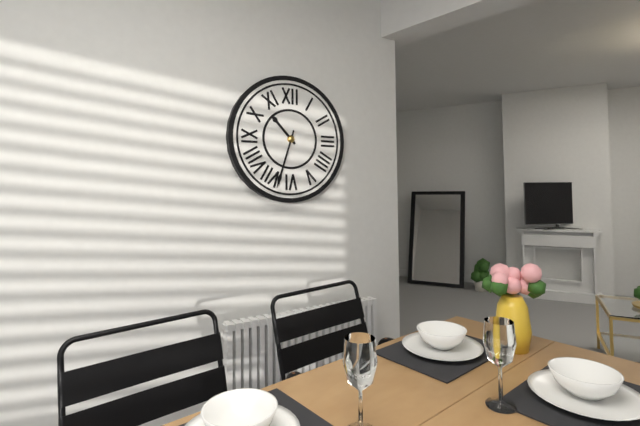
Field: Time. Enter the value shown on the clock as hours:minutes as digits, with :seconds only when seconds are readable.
10:33
